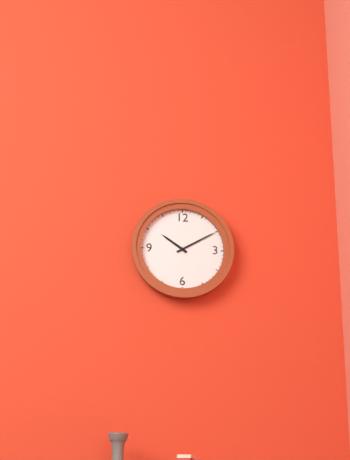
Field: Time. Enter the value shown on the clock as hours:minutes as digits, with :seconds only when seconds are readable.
10:10
